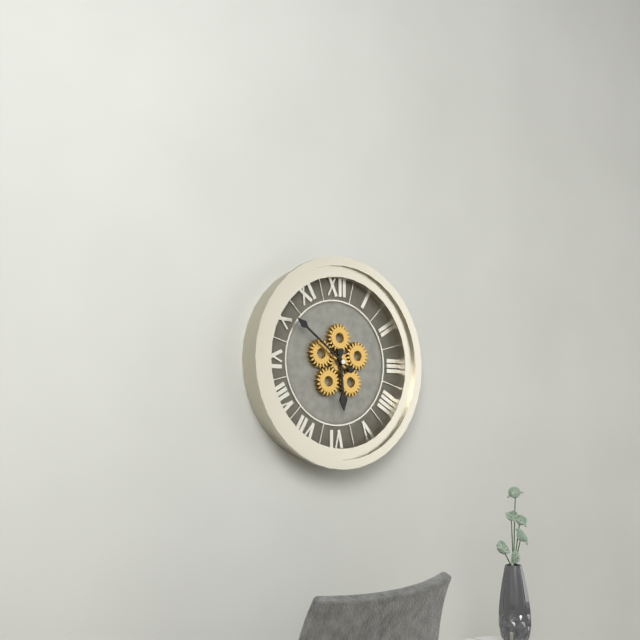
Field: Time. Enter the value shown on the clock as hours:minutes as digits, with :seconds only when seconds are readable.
5:51
